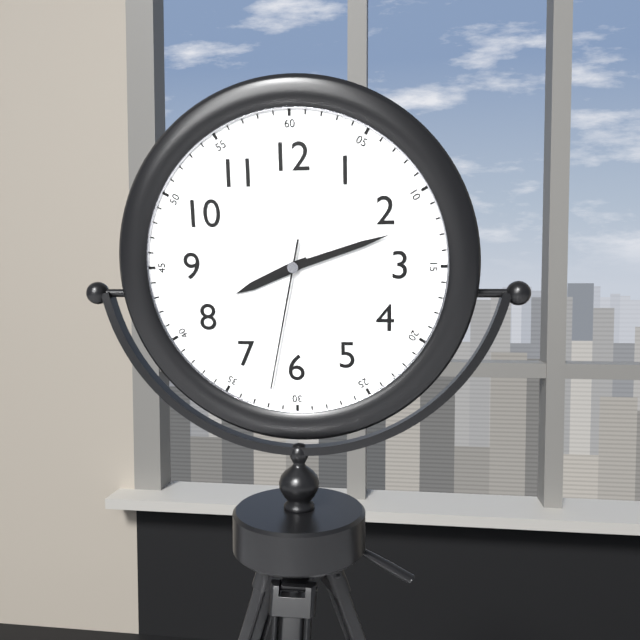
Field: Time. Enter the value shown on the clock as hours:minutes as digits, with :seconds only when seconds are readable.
8:12:32
